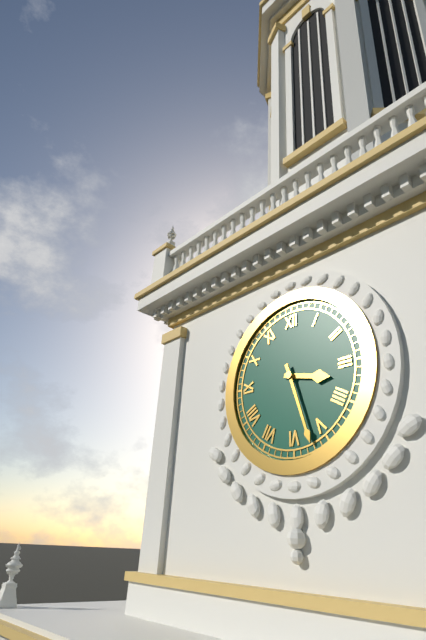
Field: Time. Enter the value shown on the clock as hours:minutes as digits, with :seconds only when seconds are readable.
3:27
